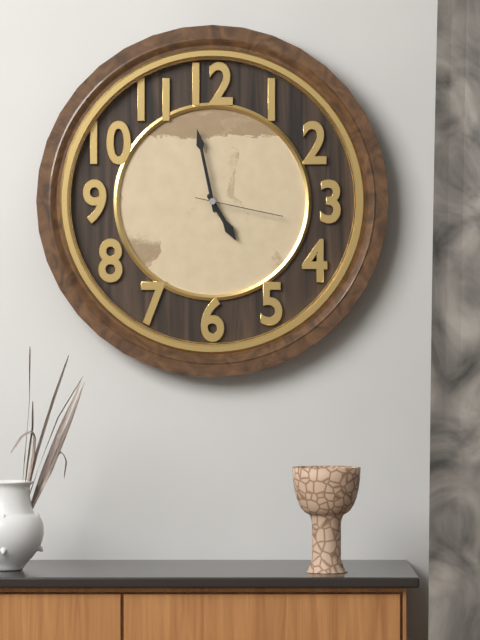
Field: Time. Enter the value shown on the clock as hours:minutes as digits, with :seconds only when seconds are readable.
4:58:17
